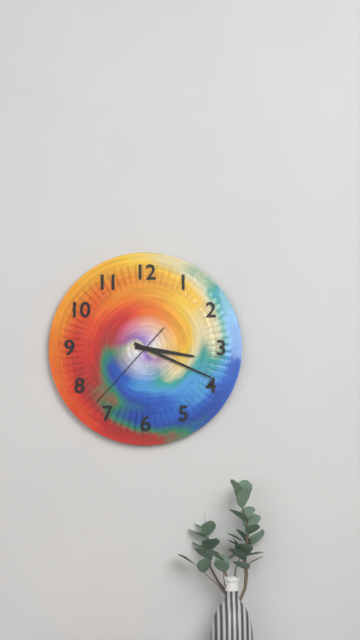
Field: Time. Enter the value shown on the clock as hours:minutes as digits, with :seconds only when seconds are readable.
3:19:37
